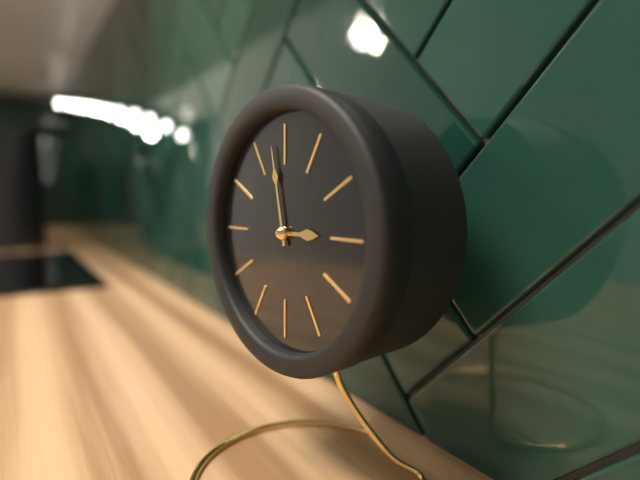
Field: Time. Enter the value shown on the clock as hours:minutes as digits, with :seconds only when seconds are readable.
2:58
